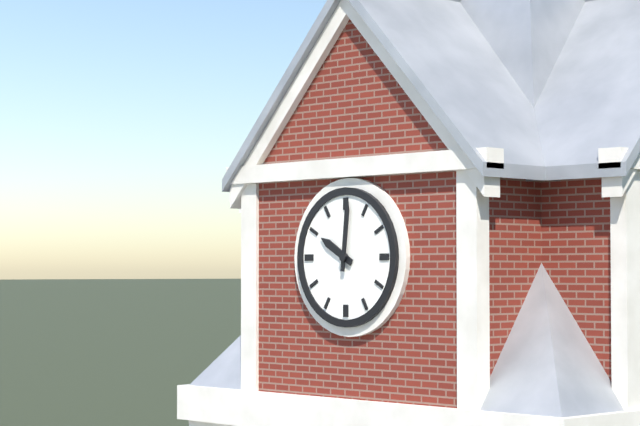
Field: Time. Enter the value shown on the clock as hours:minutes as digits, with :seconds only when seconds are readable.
10:01
